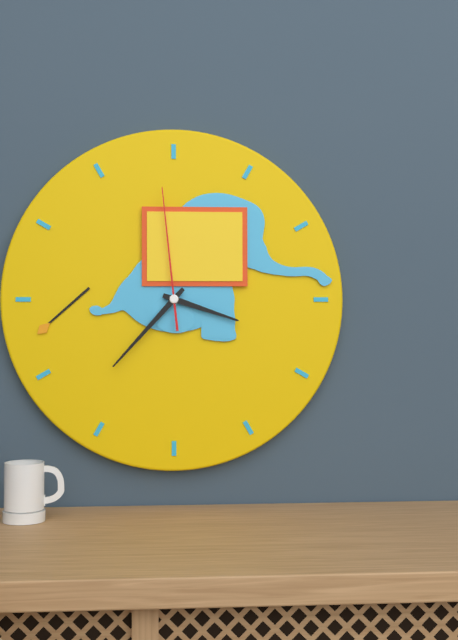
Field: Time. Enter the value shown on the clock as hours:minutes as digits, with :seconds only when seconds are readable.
3:37:59
